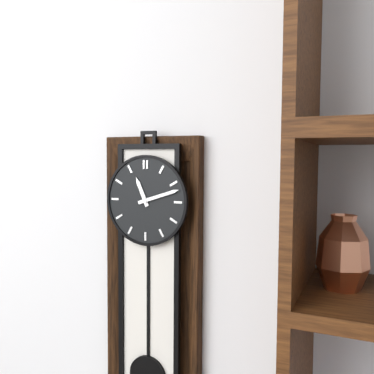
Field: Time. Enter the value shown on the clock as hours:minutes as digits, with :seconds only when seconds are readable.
11:12
